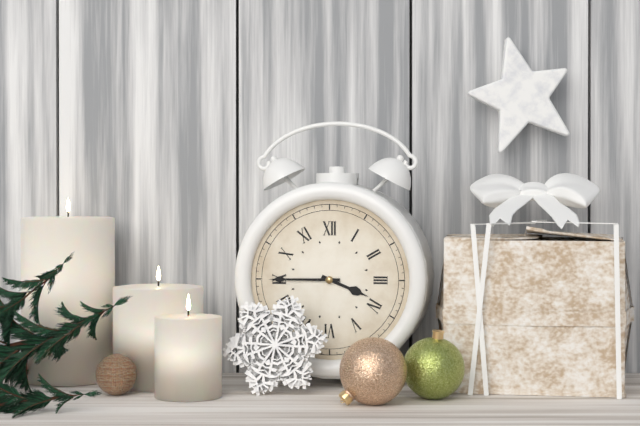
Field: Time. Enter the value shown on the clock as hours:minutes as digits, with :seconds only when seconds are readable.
3:45
